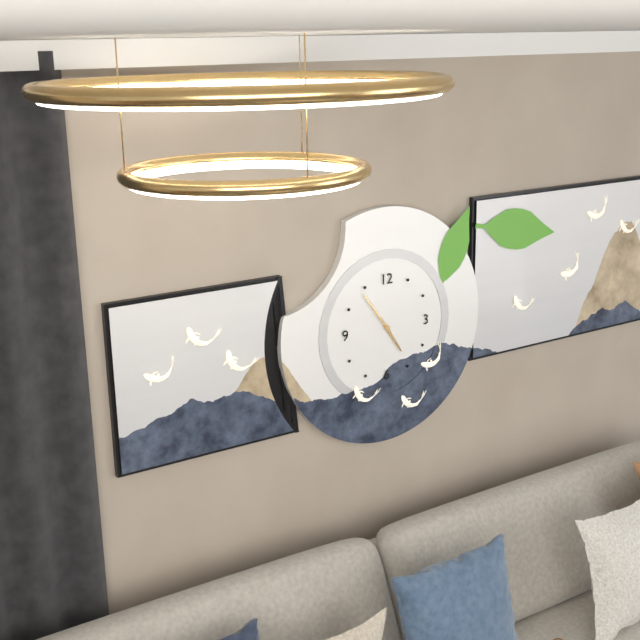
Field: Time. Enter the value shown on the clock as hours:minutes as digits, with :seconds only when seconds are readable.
4:54
